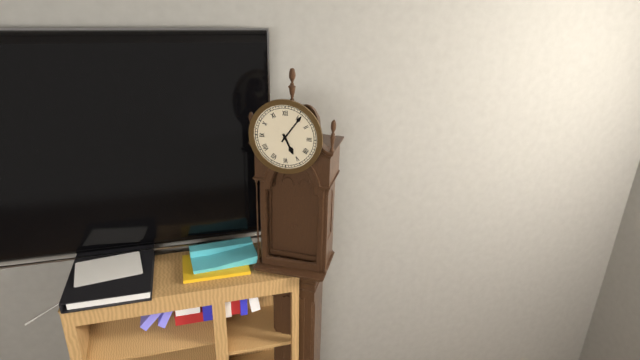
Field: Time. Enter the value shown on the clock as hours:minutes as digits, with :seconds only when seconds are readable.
5:06
